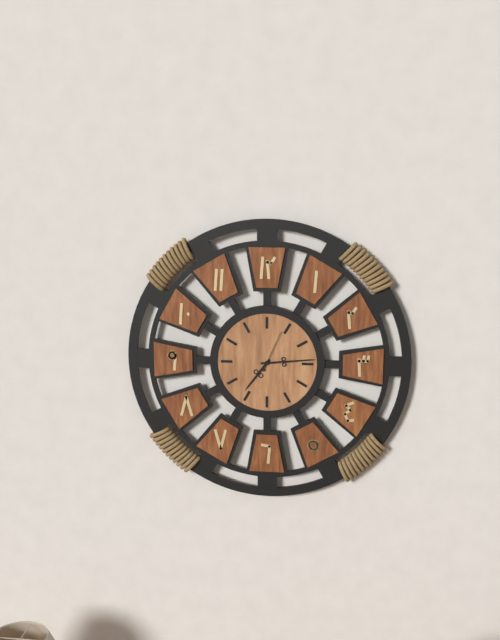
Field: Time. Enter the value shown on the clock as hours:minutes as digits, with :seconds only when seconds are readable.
7:14
